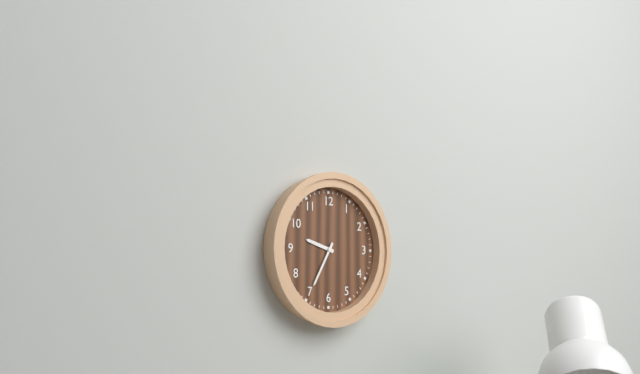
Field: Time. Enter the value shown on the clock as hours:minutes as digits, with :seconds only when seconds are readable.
9:35
